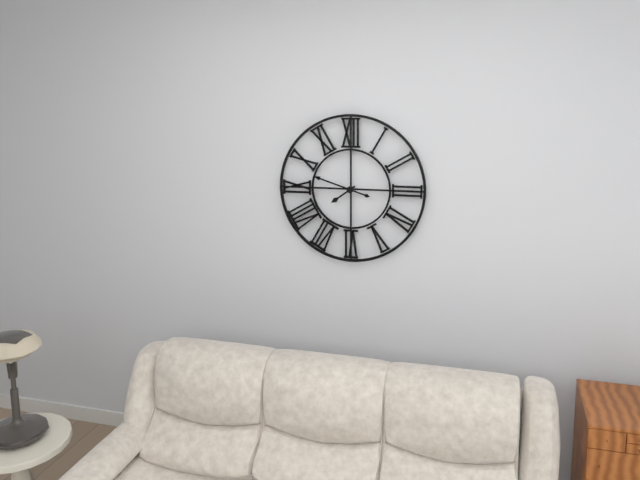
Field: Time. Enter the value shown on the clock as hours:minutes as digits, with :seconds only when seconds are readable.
7:48
